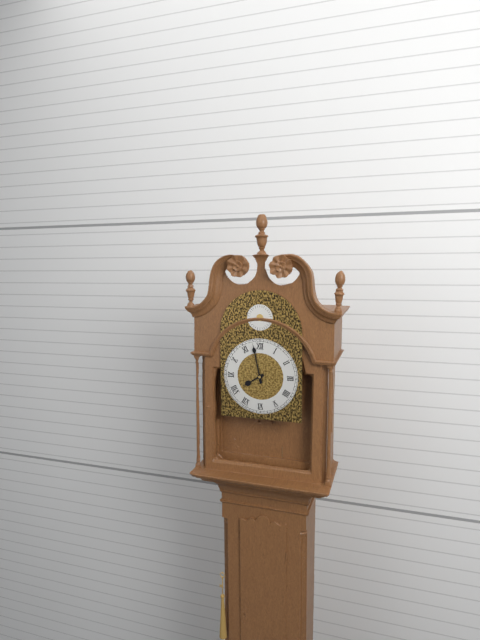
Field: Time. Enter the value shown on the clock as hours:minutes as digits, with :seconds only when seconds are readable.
7:58
